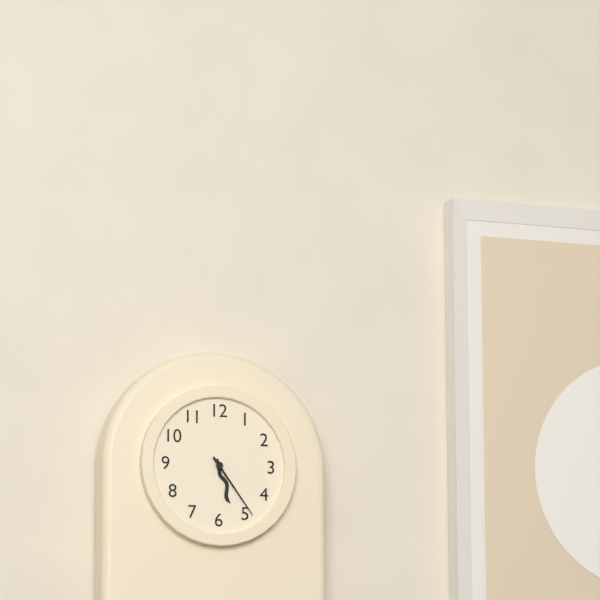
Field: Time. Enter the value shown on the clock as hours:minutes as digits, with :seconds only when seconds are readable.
5:24
